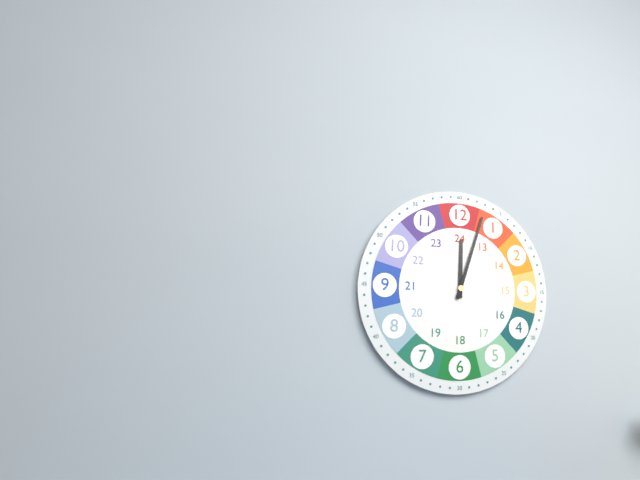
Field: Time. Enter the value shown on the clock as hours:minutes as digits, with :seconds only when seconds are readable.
12:03
